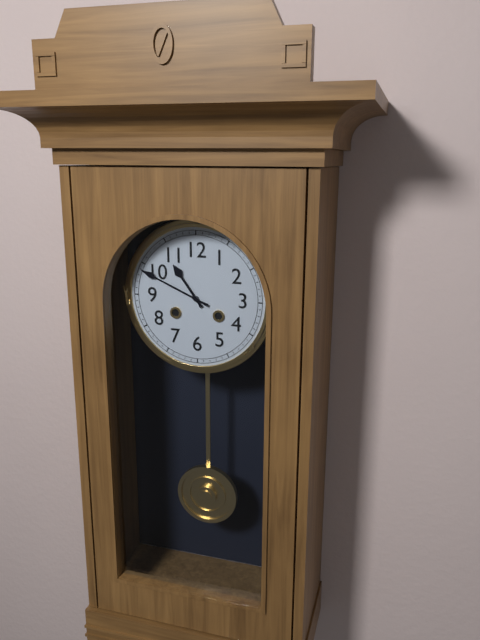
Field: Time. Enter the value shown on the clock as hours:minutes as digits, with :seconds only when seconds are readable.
10:49
